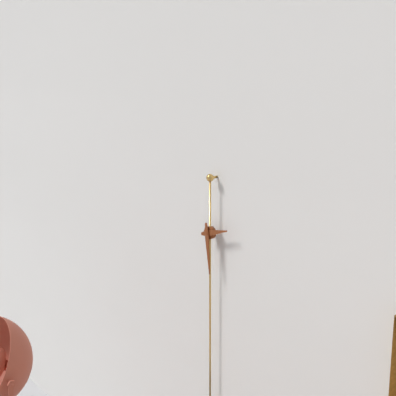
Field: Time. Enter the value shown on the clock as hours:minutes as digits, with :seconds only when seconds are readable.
2:29
